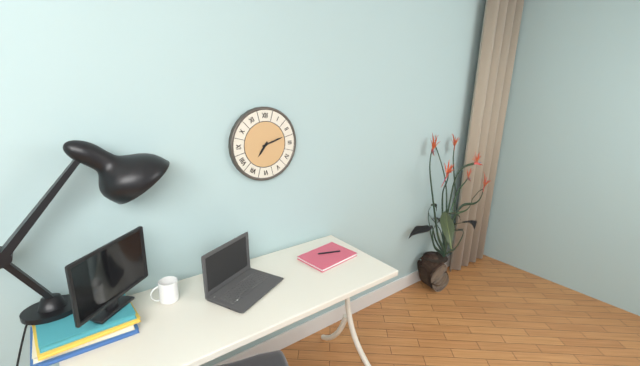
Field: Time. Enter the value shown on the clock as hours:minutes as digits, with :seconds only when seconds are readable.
7:12
